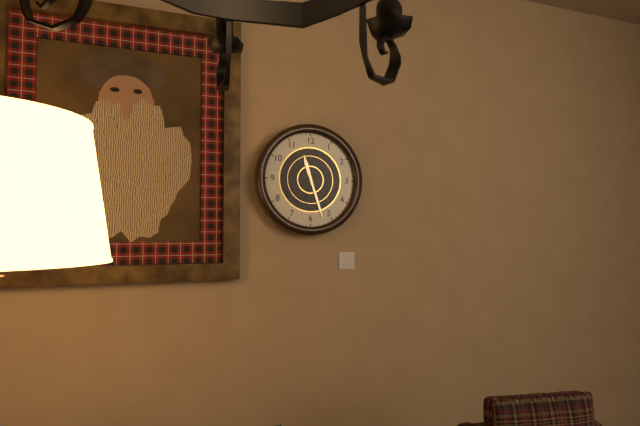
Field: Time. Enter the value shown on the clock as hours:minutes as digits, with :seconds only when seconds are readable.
11:27
